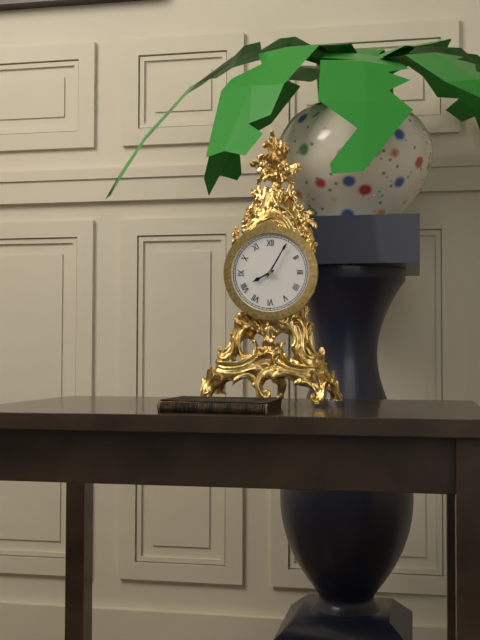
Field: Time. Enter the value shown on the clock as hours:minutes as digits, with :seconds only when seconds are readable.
8:05
